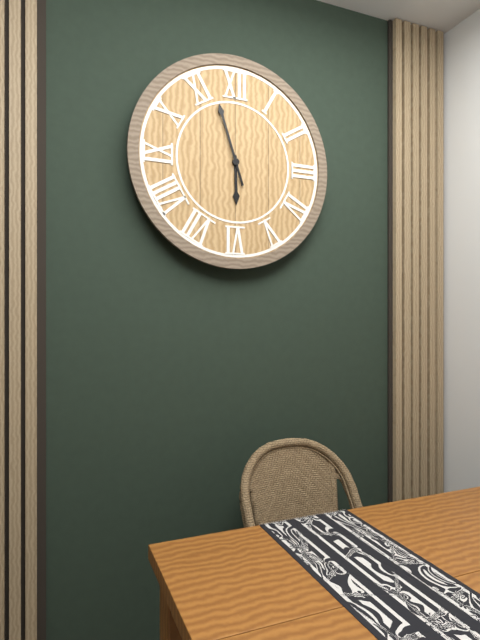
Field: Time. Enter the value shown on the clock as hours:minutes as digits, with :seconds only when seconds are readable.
5:57
